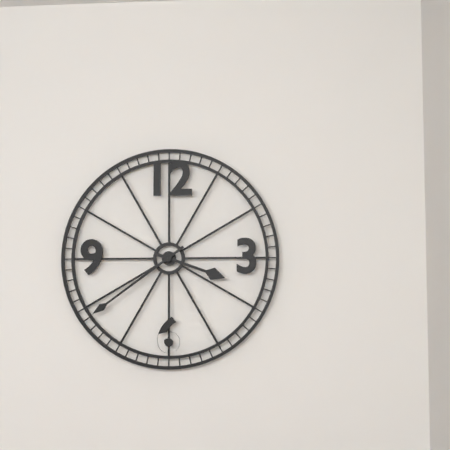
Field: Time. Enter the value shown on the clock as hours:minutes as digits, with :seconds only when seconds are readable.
3:39
